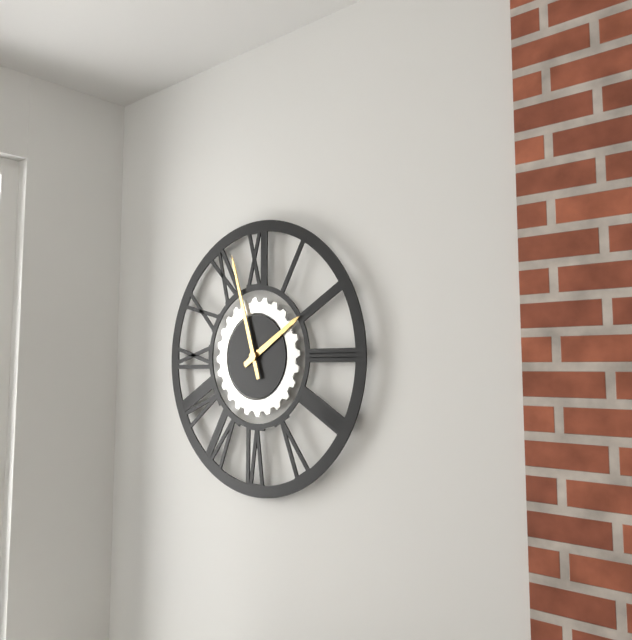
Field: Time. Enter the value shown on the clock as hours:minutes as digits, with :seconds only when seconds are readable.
1:57
